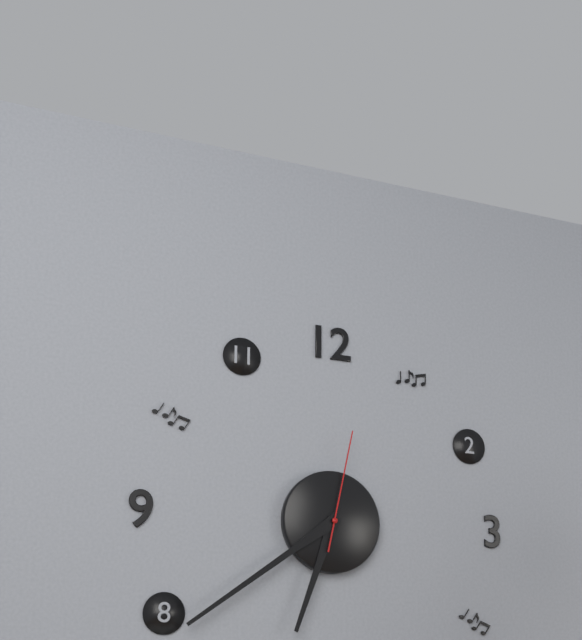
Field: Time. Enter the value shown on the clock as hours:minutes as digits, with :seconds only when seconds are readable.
6:39:02
